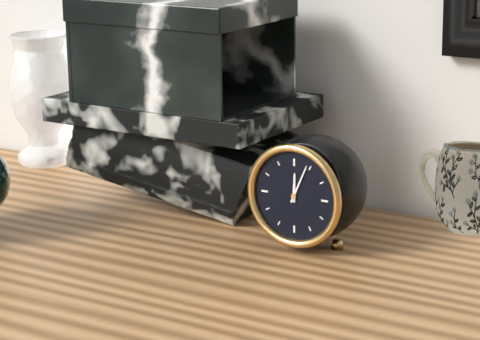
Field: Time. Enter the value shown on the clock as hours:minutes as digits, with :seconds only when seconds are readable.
12:04
